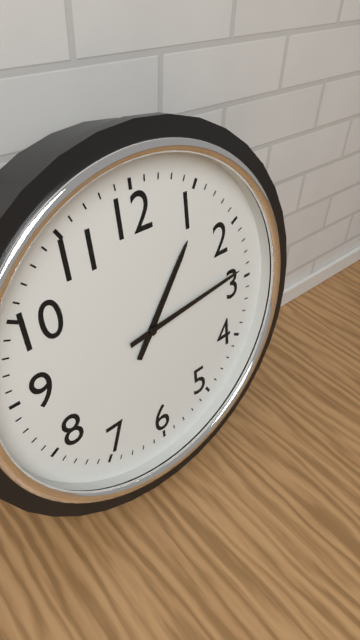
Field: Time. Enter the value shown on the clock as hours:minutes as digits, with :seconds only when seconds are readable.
1:14
